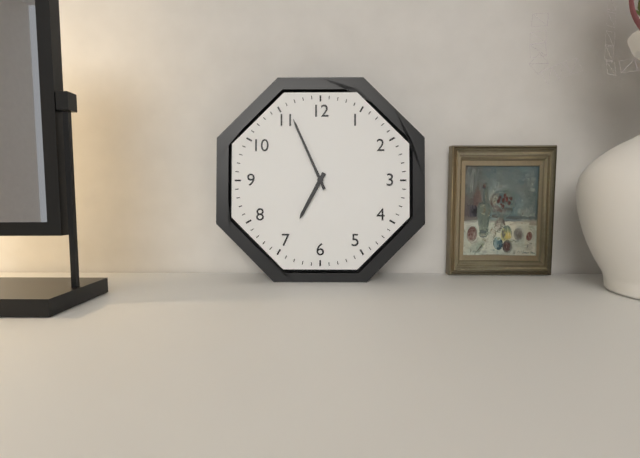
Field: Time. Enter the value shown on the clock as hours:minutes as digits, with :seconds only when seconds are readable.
6:56
